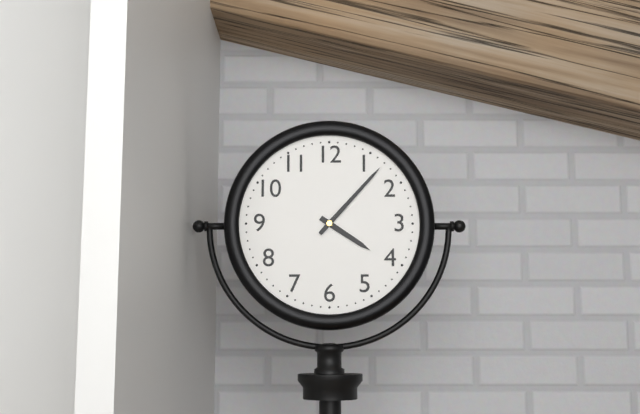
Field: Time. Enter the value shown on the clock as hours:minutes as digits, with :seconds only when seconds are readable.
4:07
